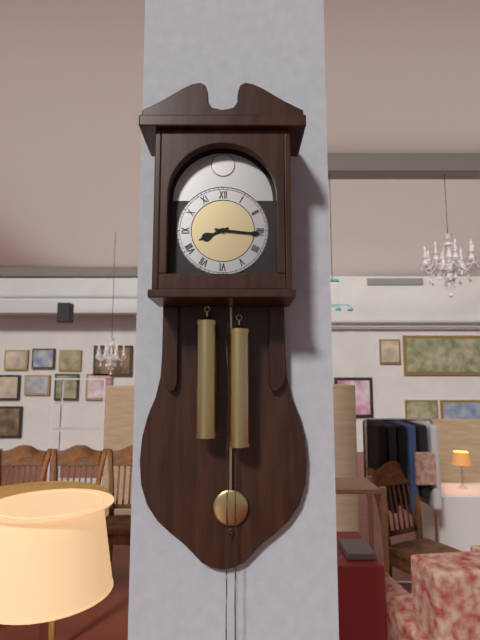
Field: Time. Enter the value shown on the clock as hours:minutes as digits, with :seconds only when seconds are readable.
8:16
